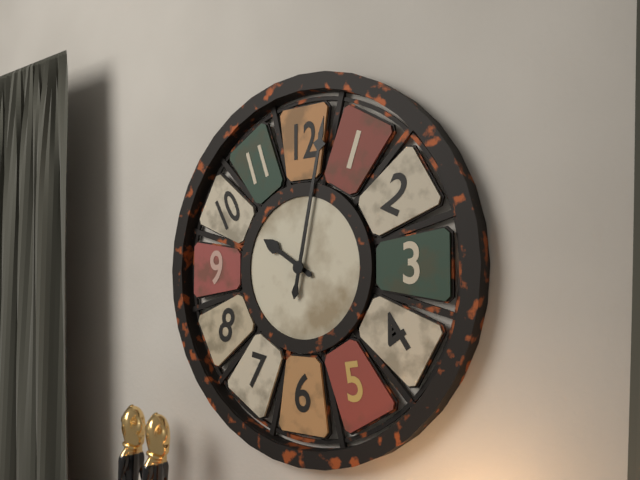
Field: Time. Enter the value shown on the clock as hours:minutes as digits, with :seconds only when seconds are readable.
10:02
